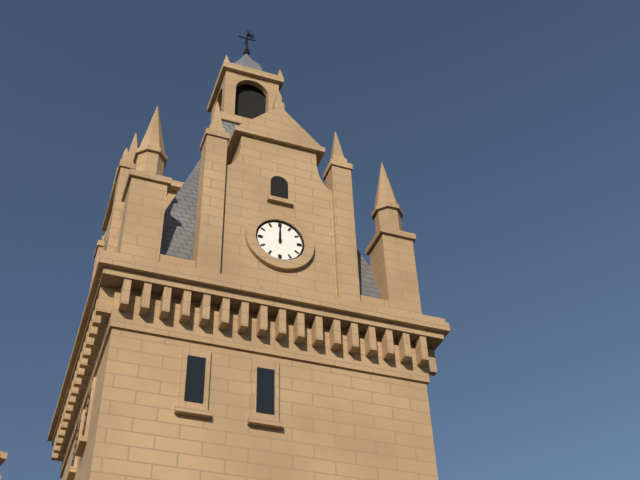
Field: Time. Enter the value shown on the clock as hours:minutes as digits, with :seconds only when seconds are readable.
12:00
